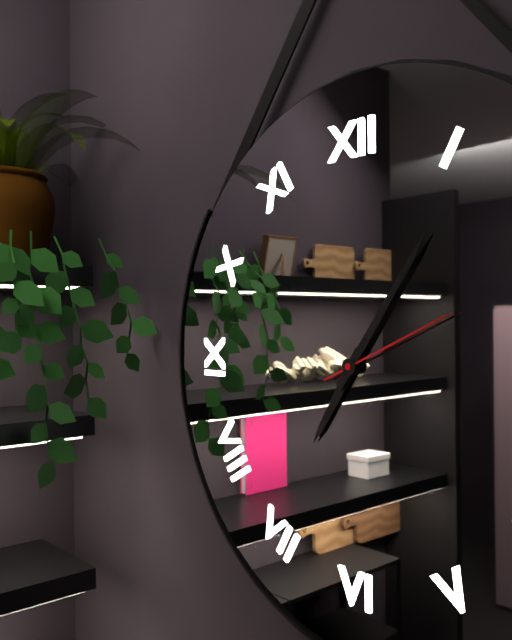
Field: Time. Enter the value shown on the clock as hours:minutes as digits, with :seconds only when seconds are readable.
7:06:11
